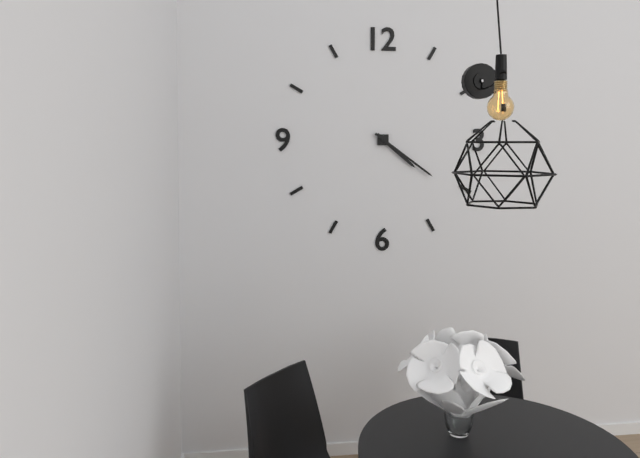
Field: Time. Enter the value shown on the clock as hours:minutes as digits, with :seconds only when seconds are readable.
4:21
